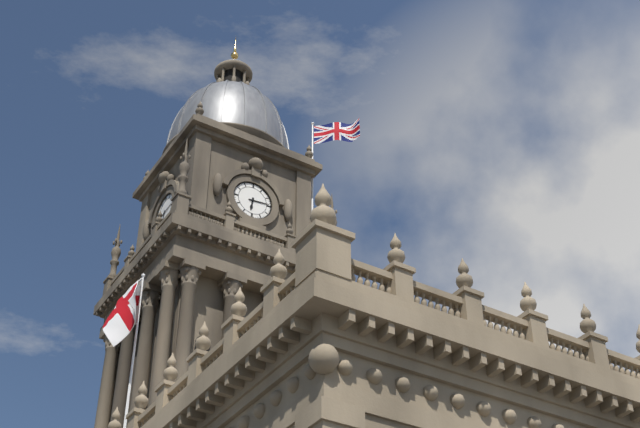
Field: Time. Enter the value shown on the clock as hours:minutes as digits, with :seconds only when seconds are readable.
6:14
